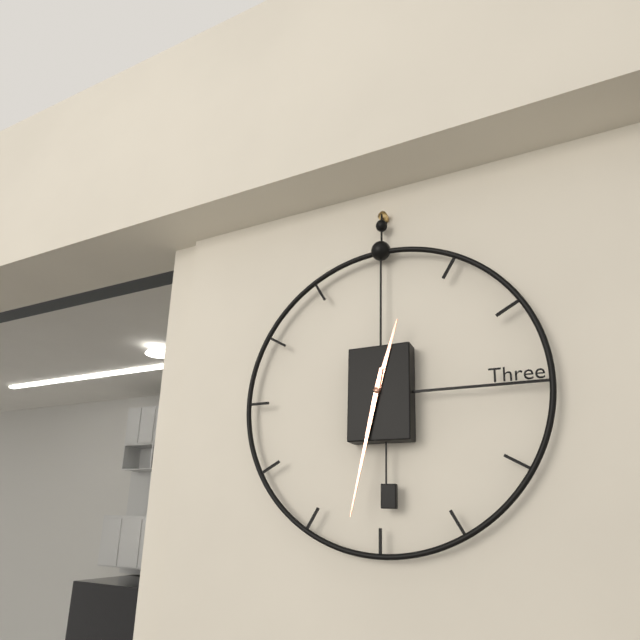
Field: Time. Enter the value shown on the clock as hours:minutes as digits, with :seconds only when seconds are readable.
12:32
